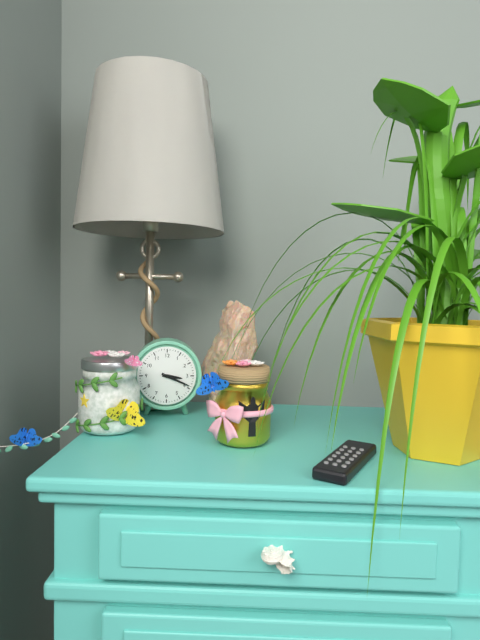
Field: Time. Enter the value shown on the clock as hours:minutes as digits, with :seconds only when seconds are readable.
3:19
